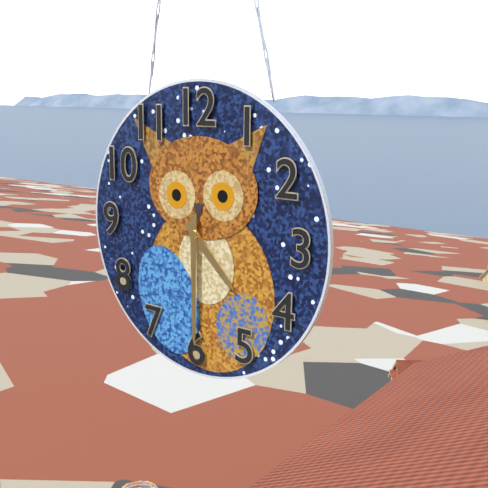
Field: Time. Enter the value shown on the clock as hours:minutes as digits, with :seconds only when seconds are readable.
4:30
